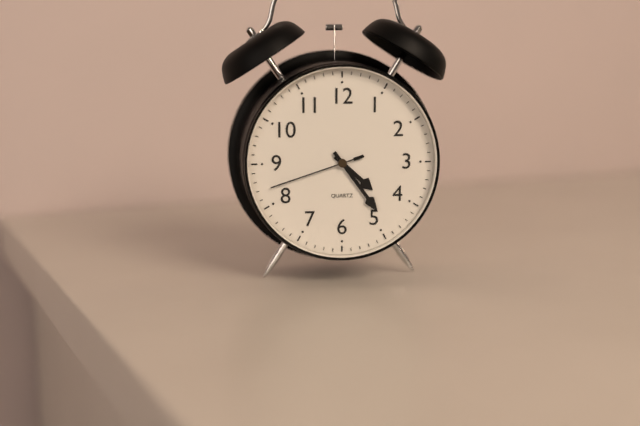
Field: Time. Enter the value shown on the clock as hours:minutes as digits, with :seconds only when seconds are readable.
4:24:42
